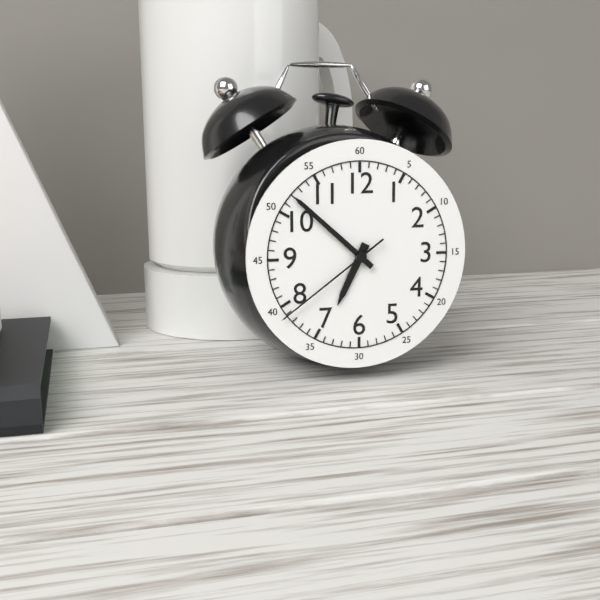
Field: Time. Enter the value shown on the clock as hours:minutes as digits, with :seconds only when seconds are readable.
6:52:39
